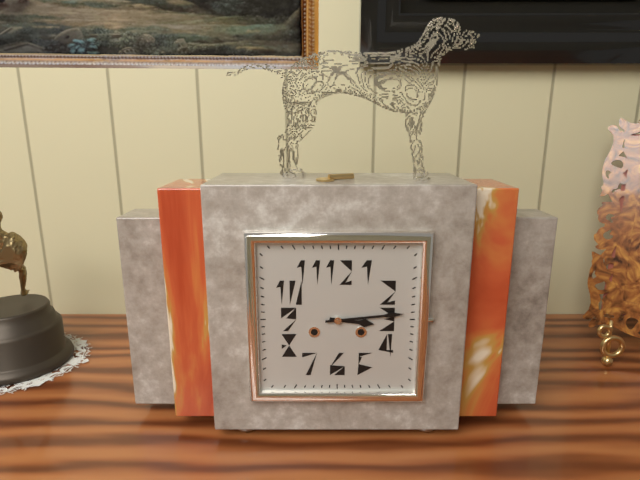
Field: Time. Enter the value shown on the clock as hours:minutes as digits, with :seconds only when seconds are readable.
3:14
